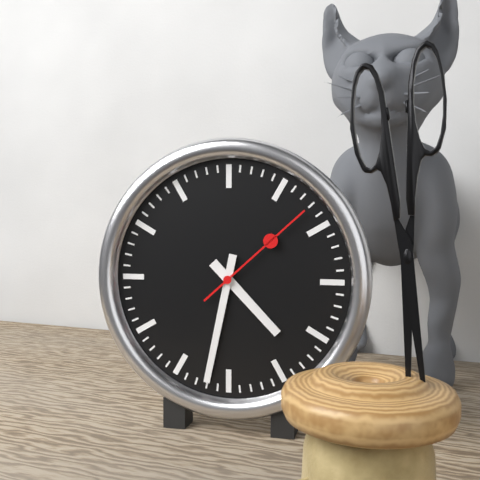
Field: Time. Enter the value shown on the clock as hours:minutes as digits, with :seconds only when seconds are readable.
4:32:08
